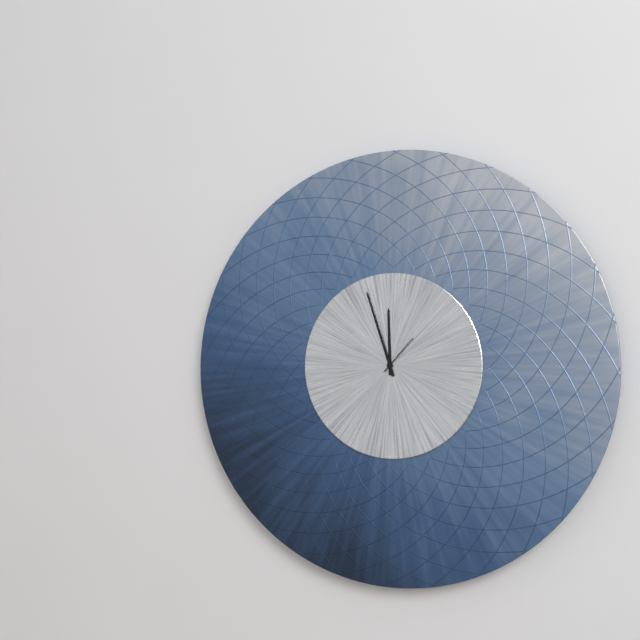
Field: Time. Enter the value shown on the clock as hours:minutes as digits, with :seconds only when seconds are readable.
11:57
